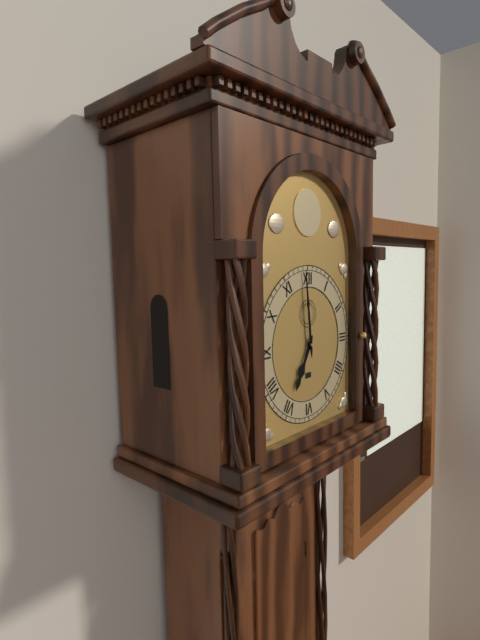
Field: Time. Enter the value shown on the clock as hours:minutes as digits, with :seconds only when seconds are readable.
6:59
